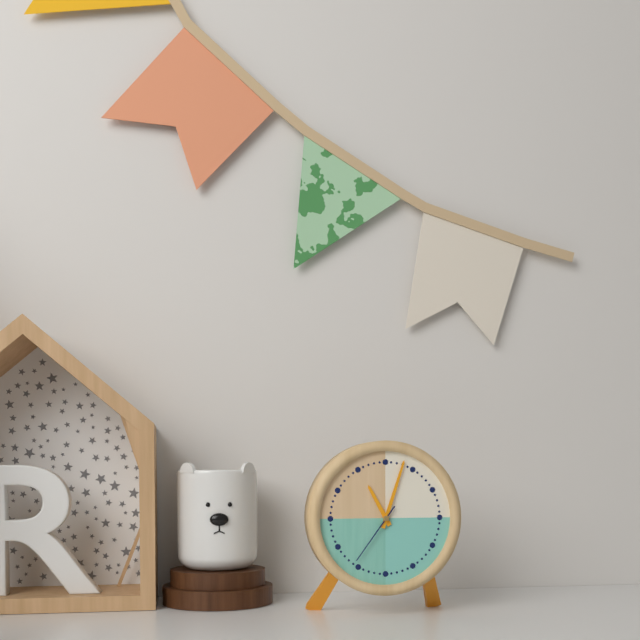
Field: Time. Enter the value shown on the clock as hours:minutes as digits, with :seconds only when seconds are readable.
11:03:36
